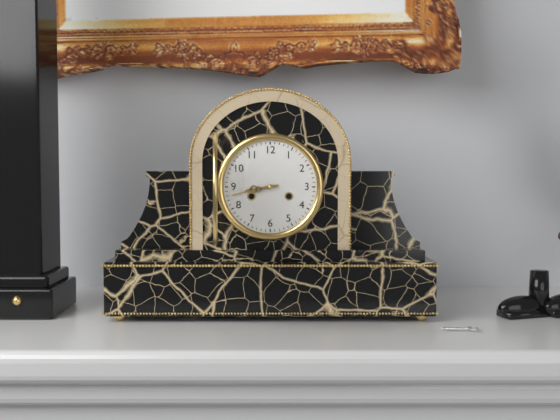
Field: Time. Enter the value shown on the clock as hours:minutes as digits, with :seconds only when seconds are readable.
8:43
